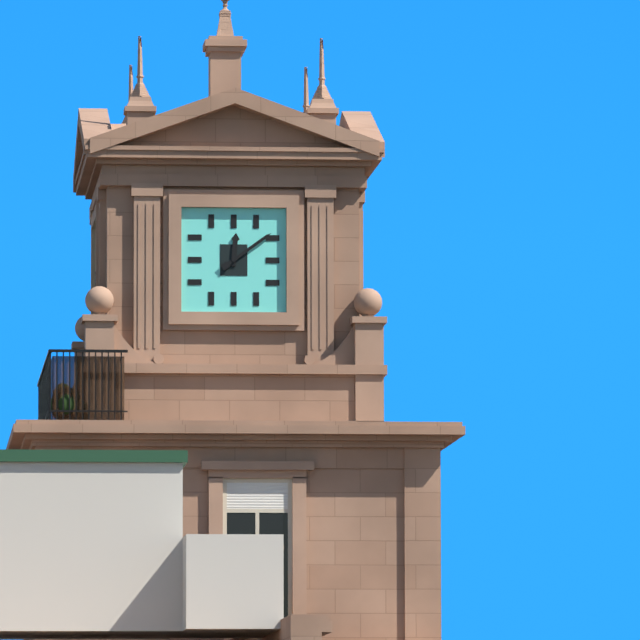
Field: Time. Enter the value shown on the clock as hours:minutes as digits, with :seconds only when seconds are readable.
12:09
